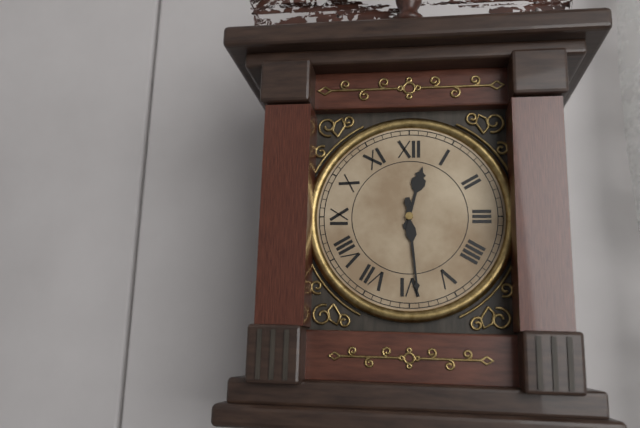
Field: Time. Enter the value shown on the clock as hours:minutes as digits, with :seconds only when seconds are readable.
12:29
